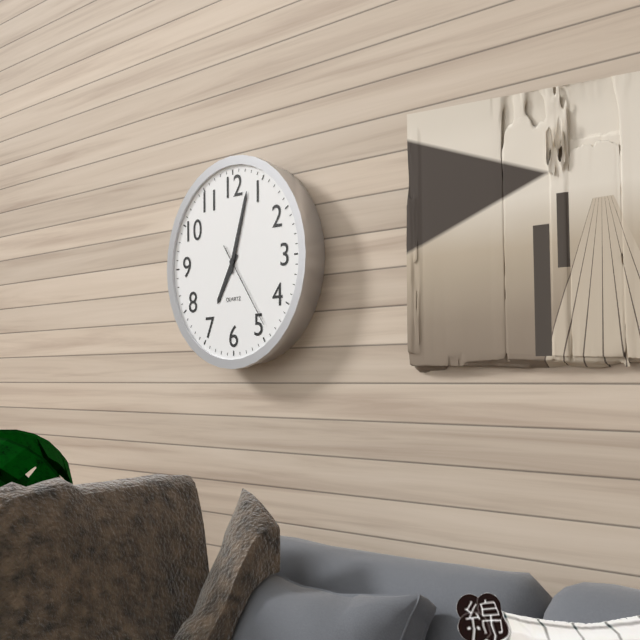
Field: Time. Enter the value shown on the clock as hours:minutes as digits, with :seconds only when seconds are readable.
7:03:24
